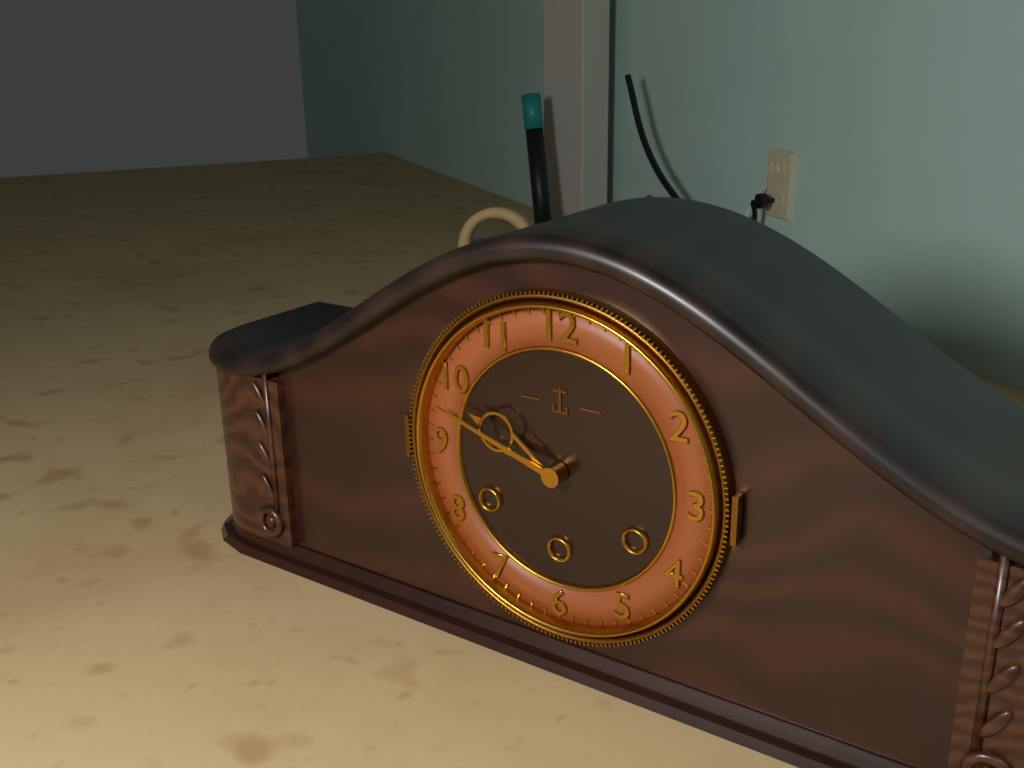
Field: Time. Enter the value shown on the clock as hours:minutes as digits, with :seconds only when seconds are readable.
9:48
